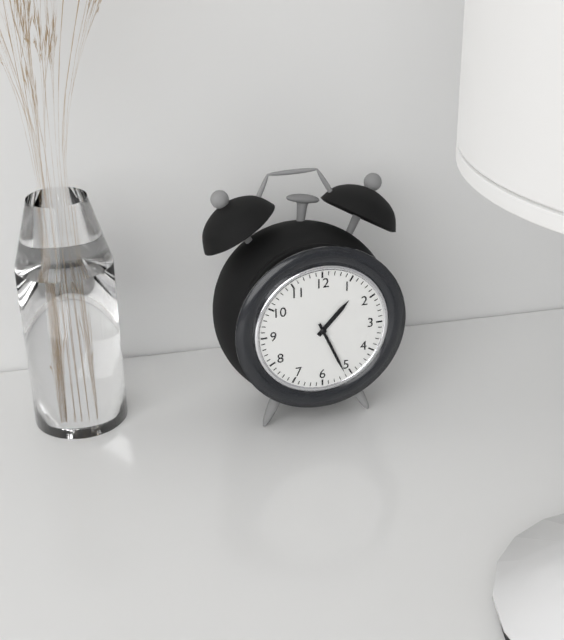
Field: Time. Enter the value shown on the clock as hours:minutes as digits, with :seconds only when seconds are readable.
1:26
